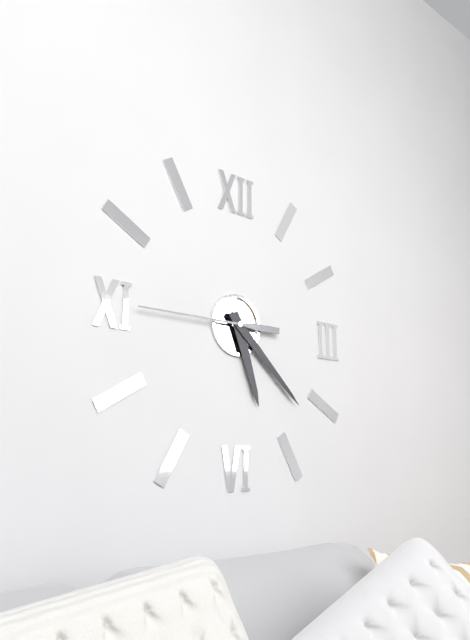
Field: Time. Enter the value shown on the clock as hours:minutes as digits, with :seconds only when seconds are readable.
5:22:45
